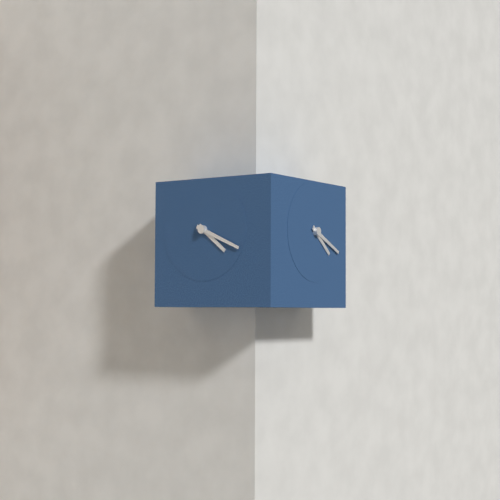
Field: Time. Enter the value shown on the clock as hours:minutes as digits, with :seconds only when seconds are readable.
4:19
